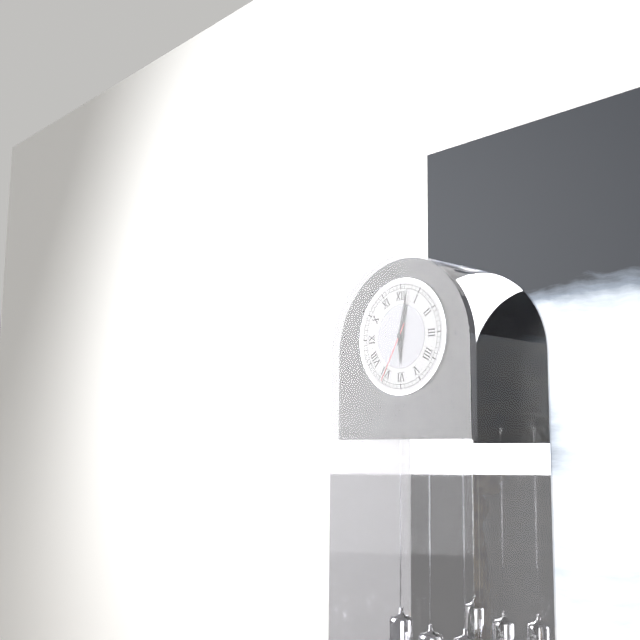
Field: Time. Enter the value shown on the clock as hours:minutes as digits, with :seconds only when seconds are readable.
6:02:35
